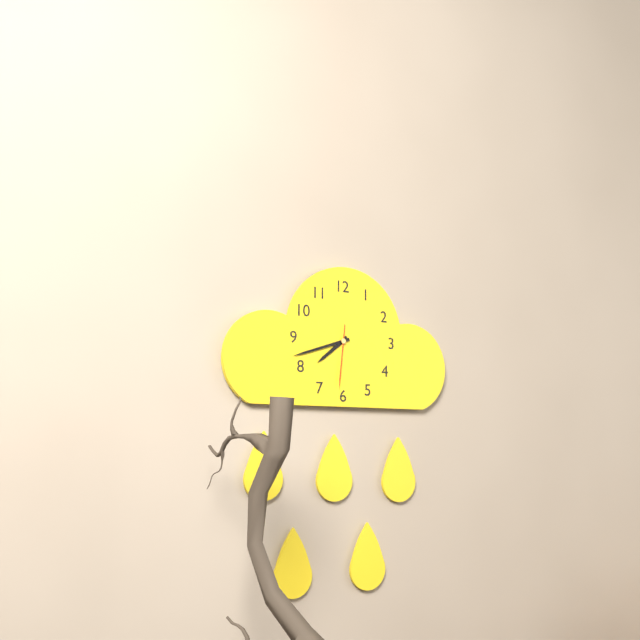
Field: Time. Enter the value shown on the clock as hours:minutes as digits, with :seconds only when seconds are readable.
7:42:31
